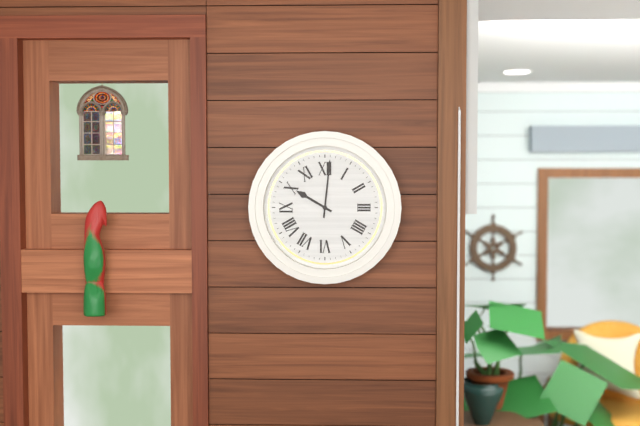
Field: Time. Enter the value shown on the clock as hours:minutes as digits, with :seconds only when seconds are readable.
10:01
